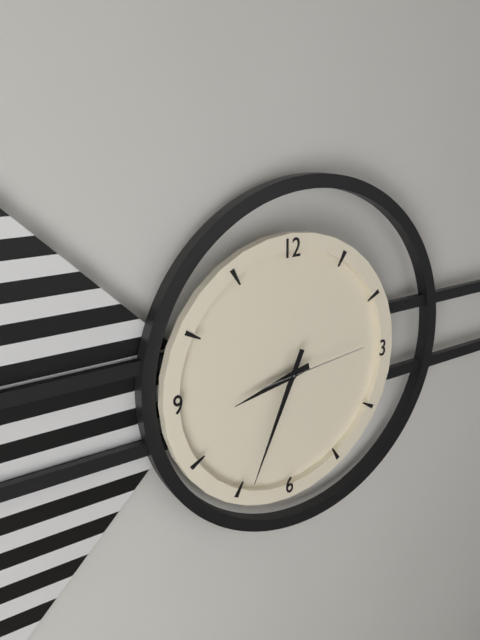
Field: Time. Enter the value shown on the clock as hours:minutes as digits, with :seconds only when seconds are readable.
8:34:14
